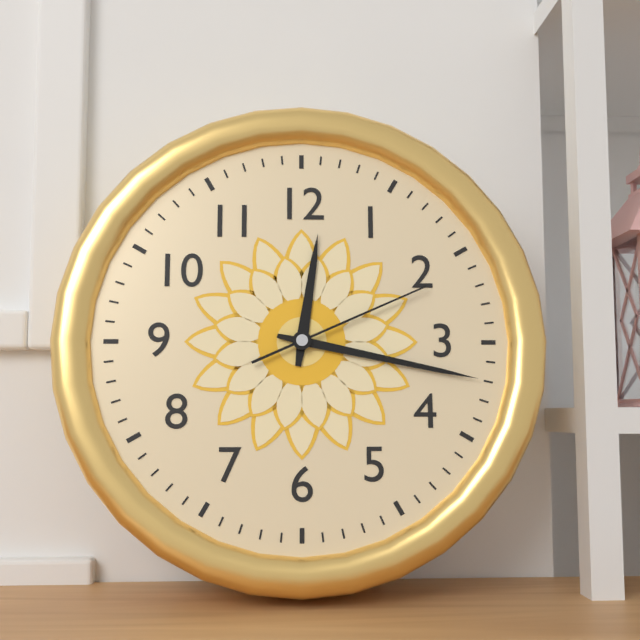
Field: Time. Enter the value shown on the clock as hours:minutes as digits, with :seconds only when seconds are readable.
12:17:11
